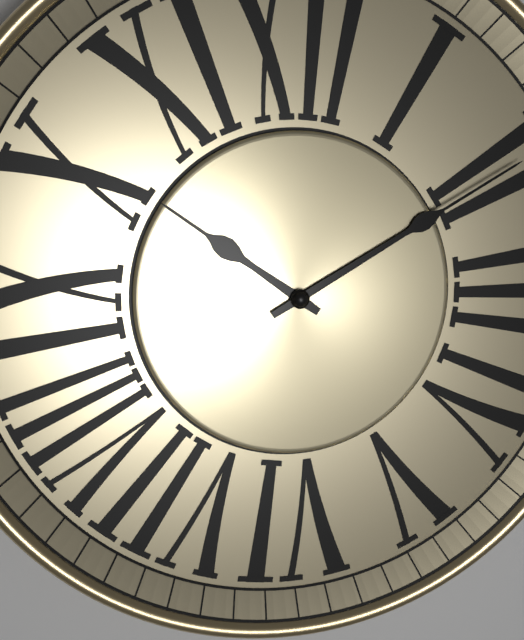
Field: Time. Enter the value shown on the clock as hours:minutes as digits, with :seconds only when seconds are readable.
10:10
